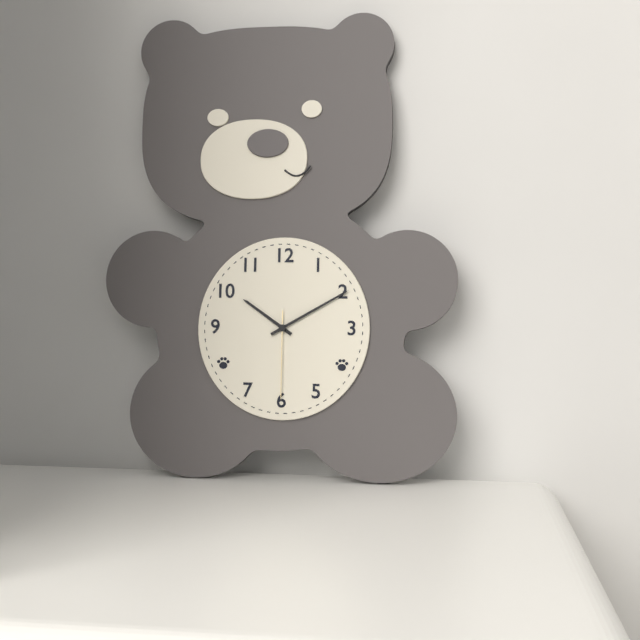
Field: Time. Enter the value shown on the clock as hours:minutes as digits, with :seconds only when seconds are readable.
10:10:30
